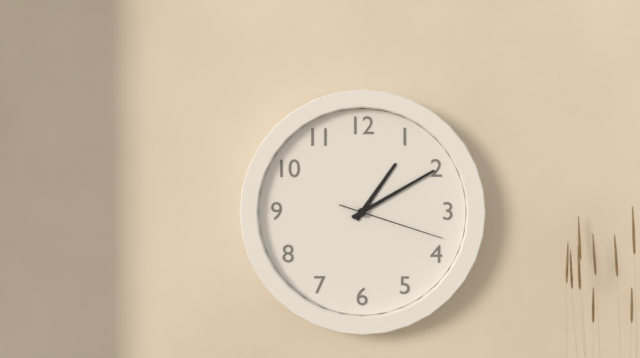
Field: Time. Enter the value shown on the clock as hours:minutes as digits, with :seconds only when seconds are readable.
1:10:18
